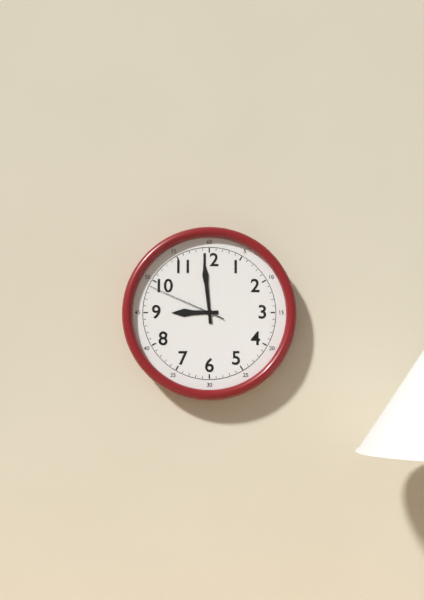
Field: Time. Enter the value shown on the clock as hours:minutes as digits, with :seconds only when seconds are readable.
8:59:49
